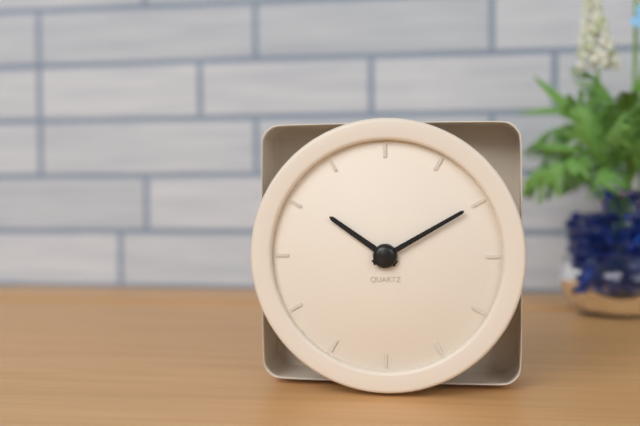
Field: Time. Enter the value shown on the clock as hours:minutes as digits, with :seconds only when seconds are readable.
10:10
